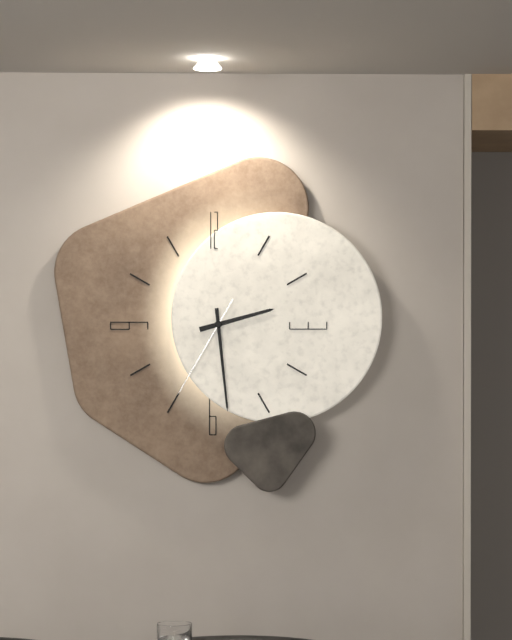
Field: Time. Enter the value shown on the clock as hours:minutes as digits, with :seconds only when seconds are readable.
2:29:35
